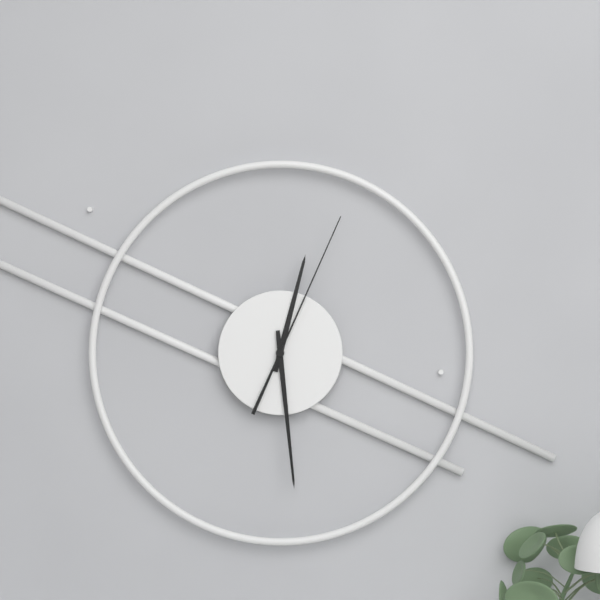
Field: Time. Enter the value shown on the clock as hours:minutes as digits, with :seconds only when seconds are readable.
12:29:04
